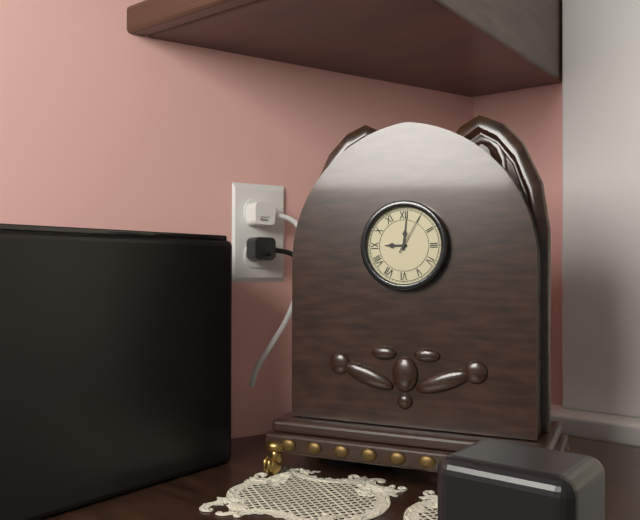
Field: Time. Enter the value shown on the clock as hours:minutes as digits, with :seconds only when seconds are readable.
9:01
